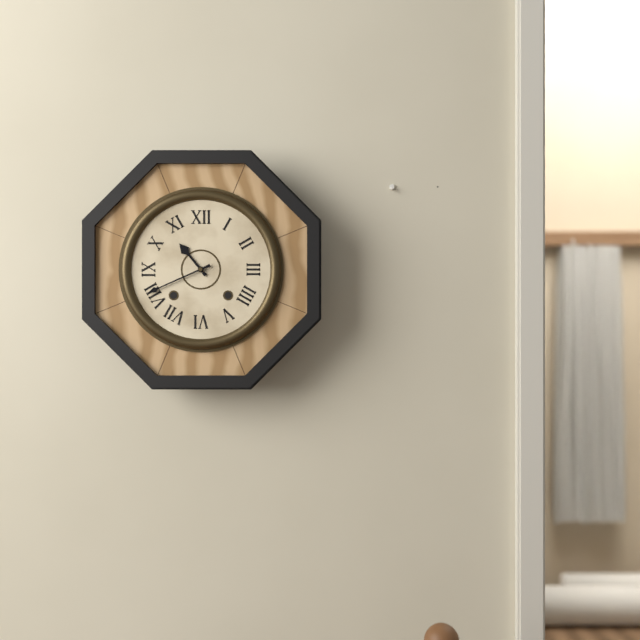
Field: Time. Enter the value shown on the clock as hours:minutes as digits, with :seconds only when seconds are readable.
10:41
